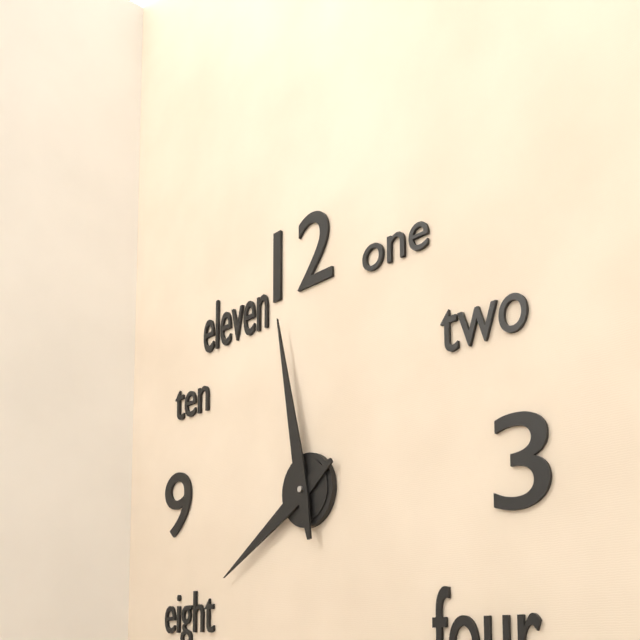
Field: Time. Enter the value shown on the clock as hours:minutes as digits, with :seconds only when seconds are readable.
7:58
